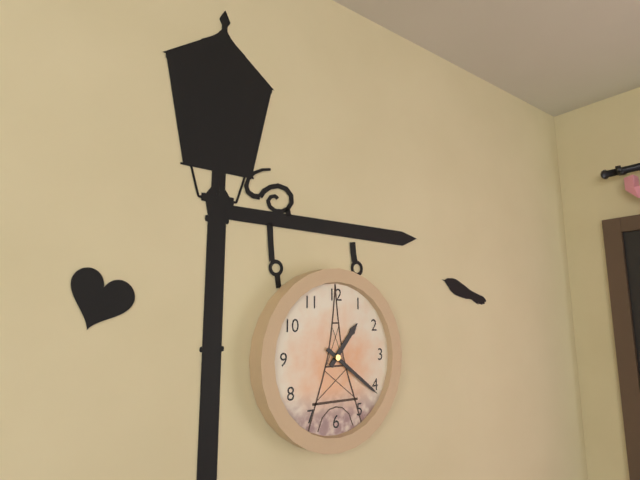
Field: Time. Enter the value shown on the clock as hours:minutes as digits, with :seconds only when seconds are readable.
1:21
